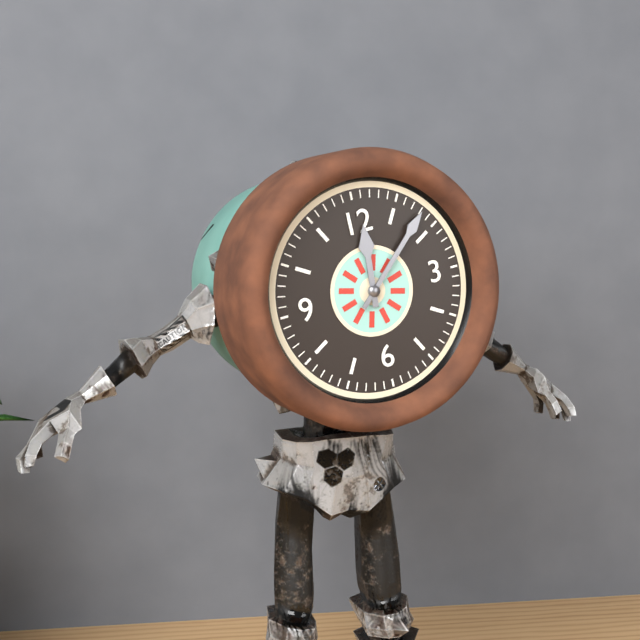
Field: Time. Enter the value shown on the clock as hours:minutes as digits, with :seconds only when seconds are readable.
12:08
